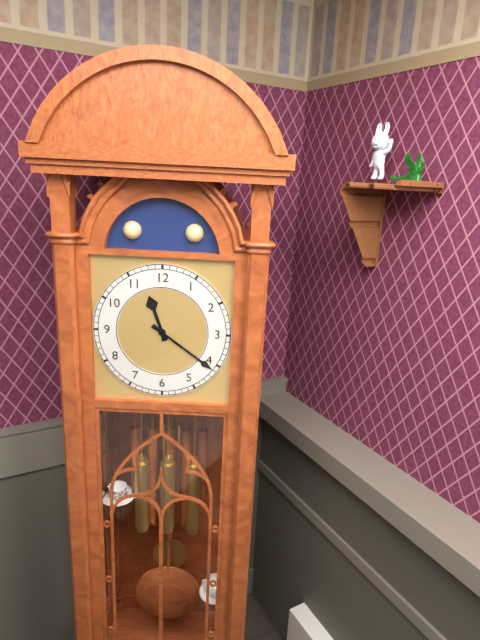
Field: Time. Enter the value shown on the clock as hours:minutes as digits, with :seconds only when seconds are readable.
11:21
